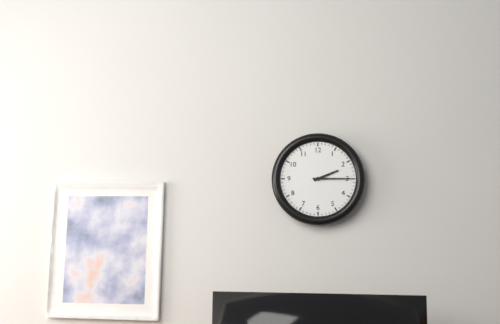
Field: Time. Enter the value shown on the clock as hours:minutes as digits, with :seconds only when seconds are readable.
2:15
